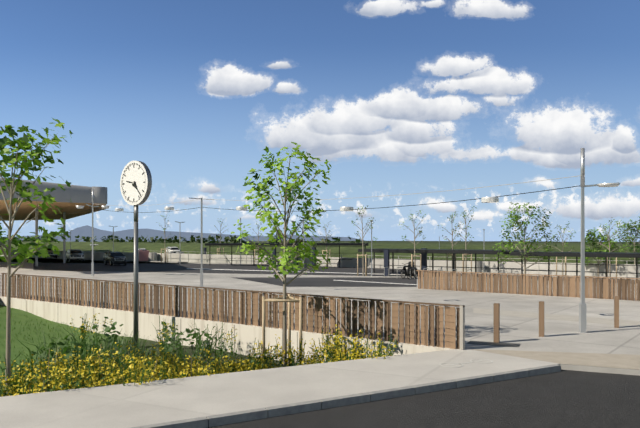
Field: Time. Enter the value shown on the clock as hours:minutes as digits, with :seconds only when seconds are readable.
9:23
